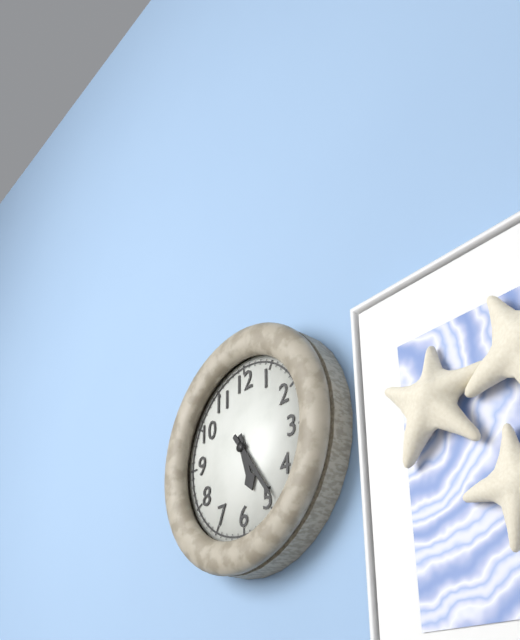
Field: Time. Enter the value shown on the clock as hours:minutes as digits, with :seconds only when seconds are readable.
5:24
